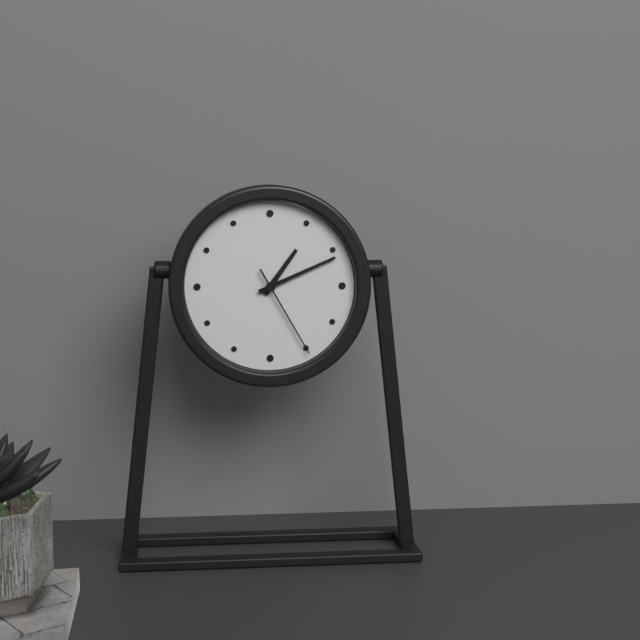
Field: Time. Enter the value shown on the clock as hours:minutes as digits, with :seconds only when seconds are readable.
1:11:25
